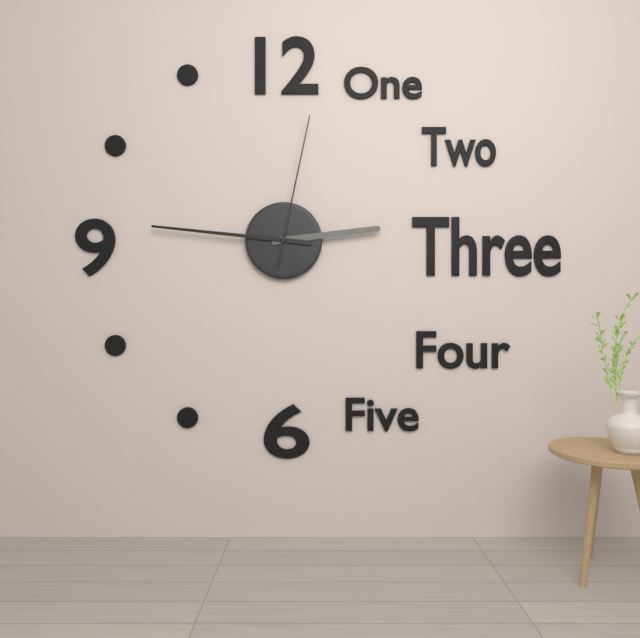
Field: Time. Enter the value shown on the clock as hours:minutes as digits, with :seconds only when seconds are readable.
2:46:02
